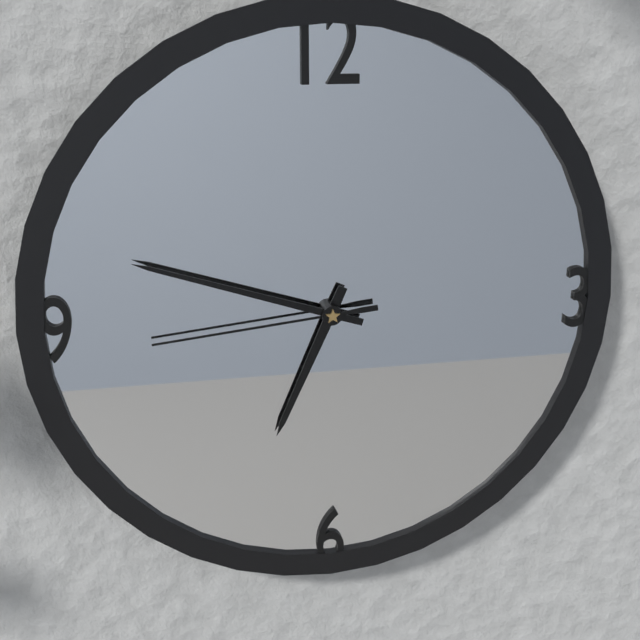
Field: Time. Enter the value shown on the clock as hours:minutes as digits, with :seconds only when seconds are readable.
6:48:44
